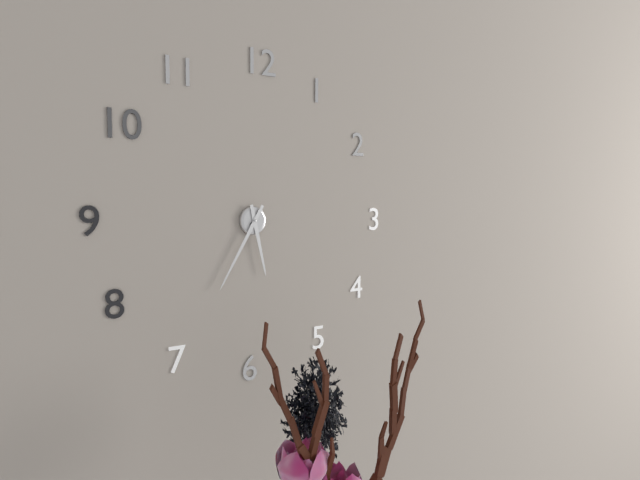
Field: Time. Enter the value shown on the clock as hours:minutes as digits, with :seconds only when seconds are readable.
5:35
